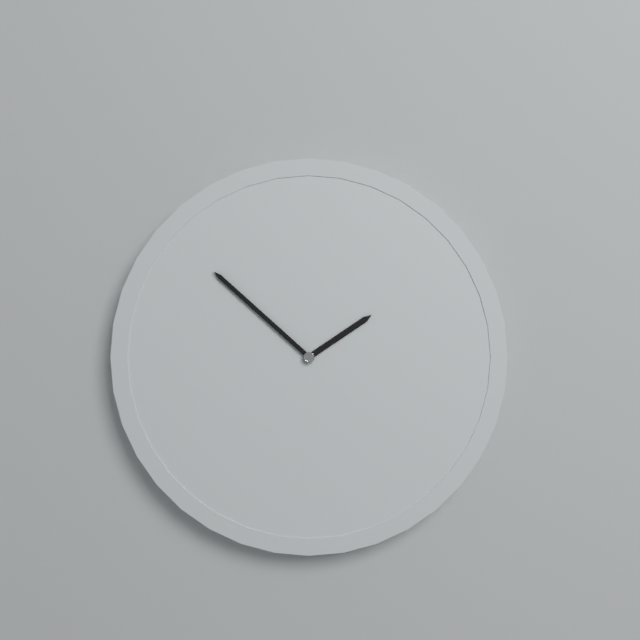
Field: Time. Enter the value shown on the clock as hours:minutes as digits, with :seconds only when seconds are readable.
1:52
